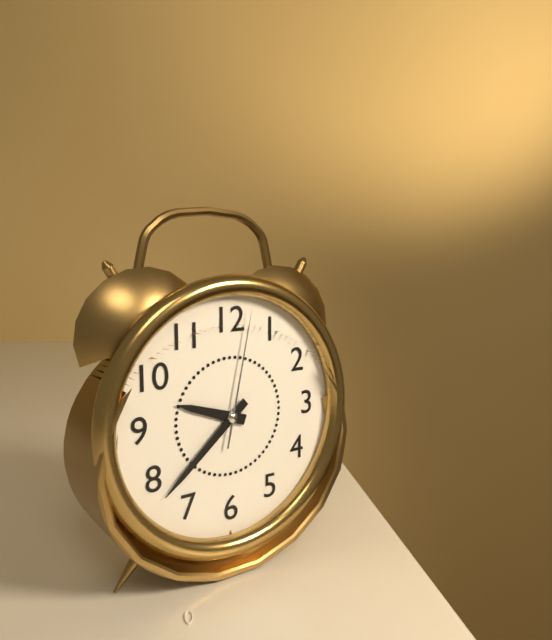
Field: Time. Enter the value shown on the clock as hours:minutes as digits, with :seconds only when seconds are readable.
9:38:02
